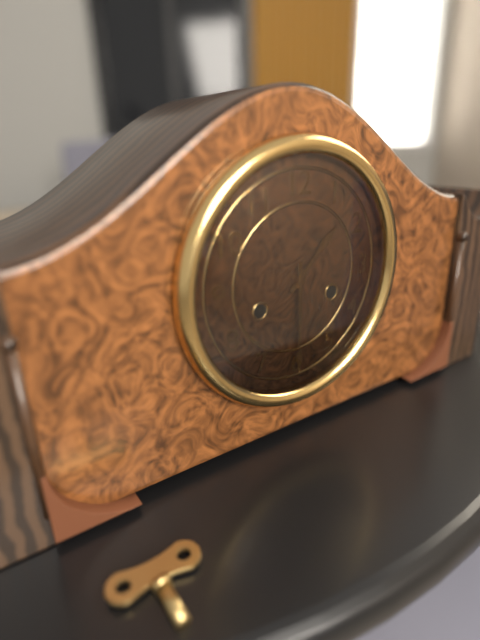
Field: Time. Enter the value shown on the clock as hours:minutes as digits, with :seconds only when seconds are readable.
1:30
